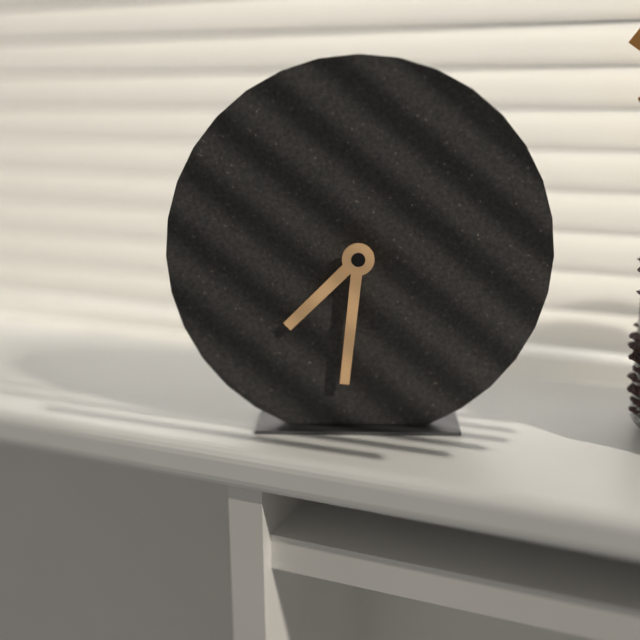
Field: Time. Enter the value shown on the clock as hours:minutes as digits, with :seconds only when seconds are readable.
7:31
